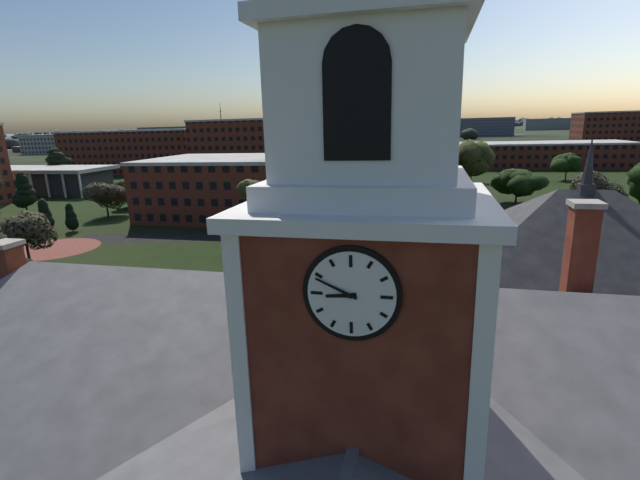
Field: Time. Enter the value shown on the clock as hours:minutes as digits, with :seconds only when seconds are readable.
8:49
